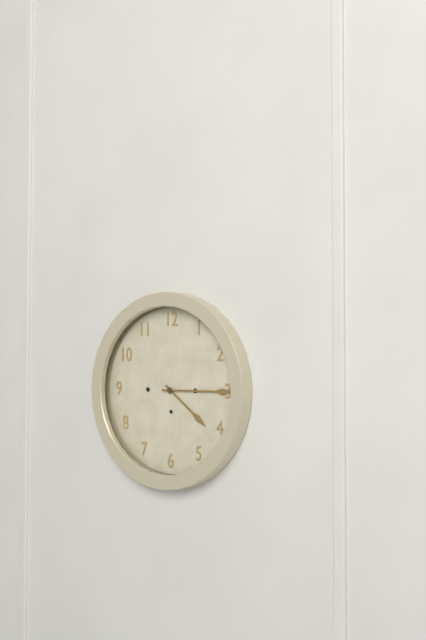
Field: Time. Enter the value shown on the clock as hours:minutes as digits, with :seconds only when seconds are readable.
4:15
